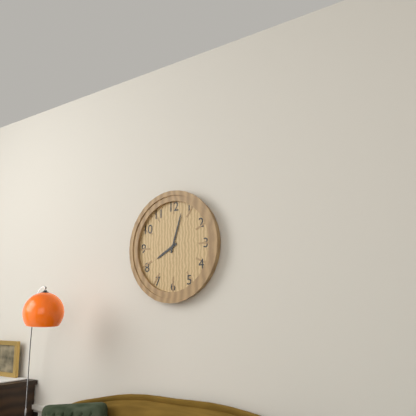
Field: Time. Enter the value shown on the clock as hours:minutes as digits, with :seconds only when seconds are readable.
8:03
